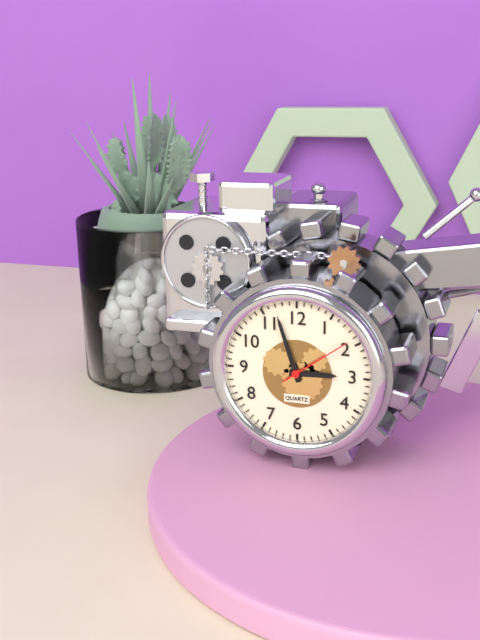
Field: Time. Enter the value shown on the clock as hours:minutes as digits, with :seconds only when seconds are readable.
2:57:09
